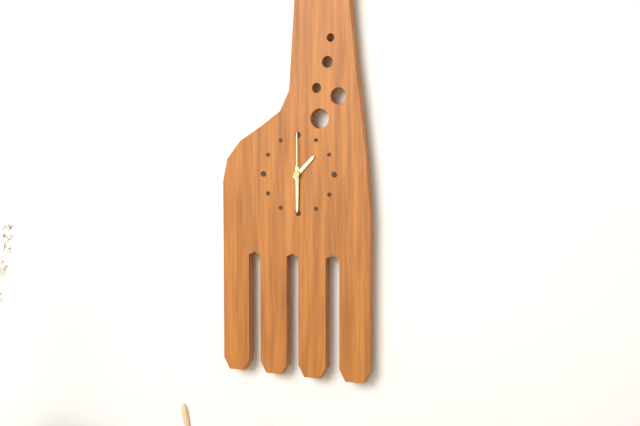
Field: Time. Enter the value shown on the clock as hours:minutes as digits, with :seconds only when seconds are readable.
1:30:00
